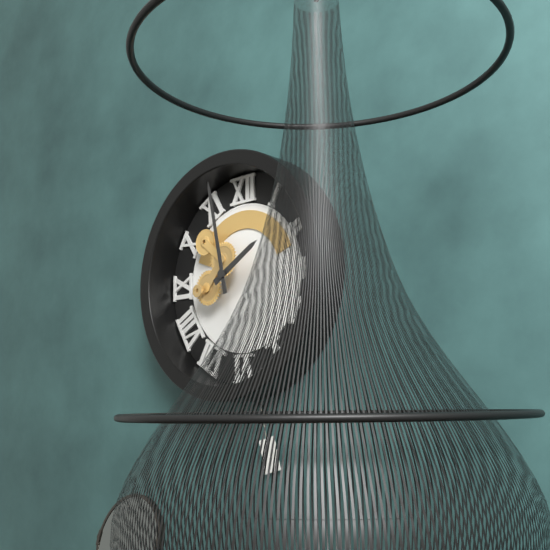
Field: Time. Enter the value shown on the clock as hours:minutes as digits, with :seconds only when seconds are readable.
1:58
